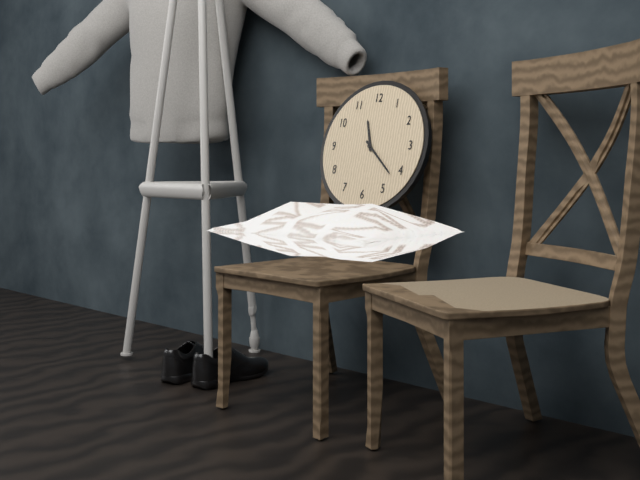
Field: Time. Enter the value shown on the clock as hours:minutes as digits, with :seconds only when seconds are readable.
11:22
